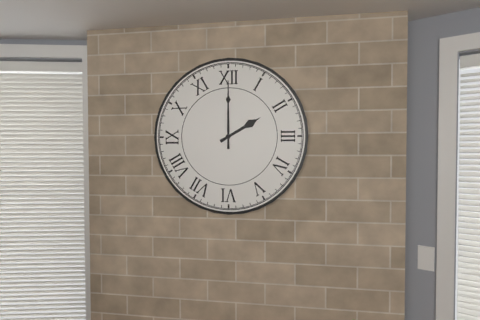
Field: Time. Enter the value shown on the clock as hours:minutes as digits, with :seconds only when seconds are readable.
2:00
